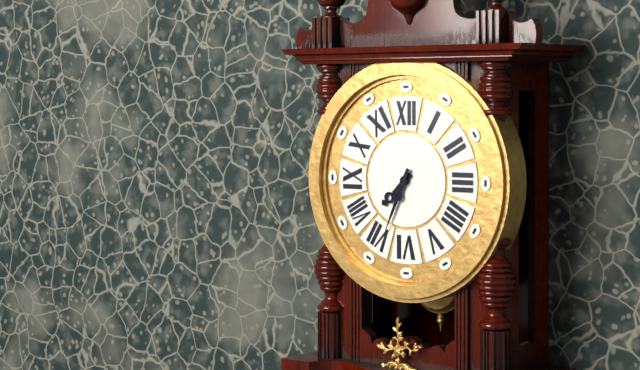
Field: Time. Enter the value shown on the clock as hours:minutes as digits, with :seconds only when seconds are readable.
7:34
